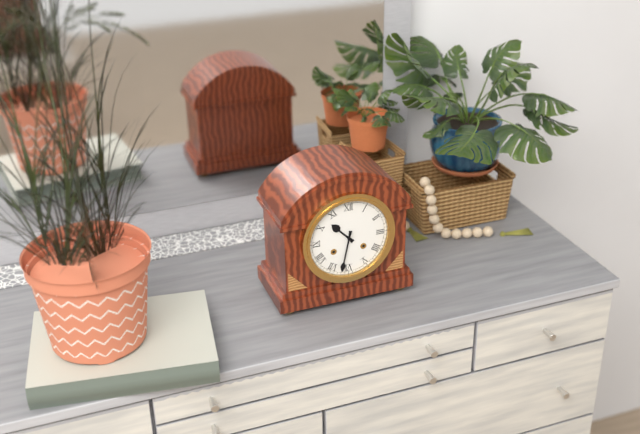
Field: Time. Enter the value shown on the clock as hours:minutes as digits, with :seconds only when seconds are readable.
10:32
